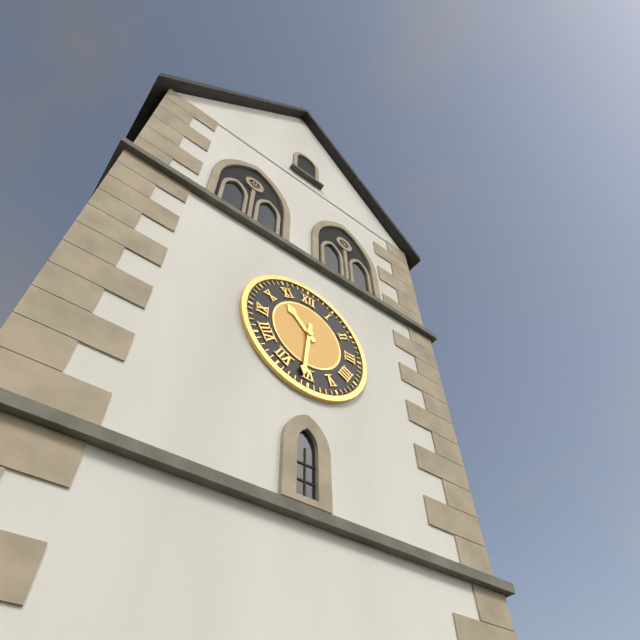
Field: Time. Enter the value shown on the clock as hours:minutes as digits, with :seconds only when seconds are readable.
10:31
